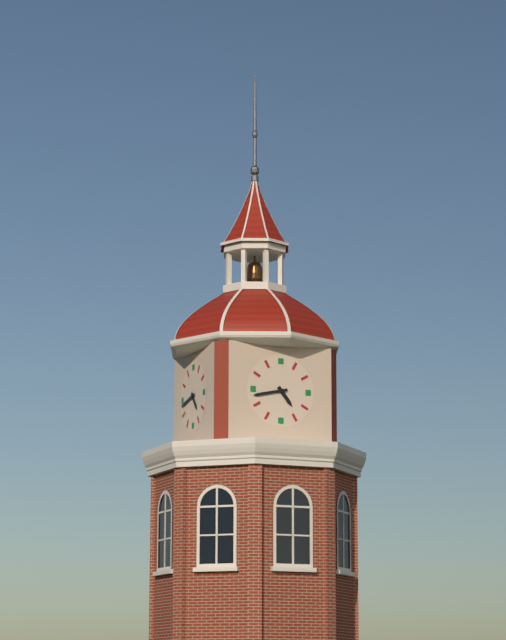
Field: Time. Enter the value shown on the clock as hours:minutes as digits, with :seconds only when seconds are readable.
4:43
